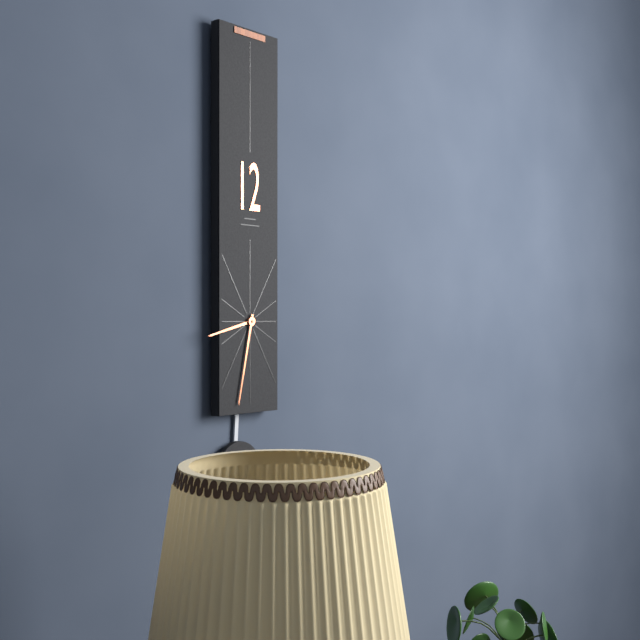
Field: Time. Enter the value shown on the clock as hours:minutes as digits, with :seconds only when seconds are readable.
8:32
